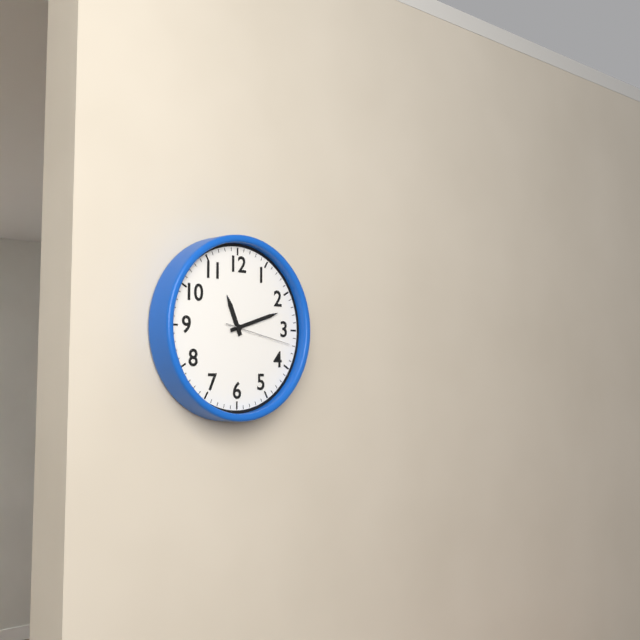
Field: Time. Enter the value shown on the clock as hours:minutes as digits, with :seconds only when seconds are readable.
11:12:17
